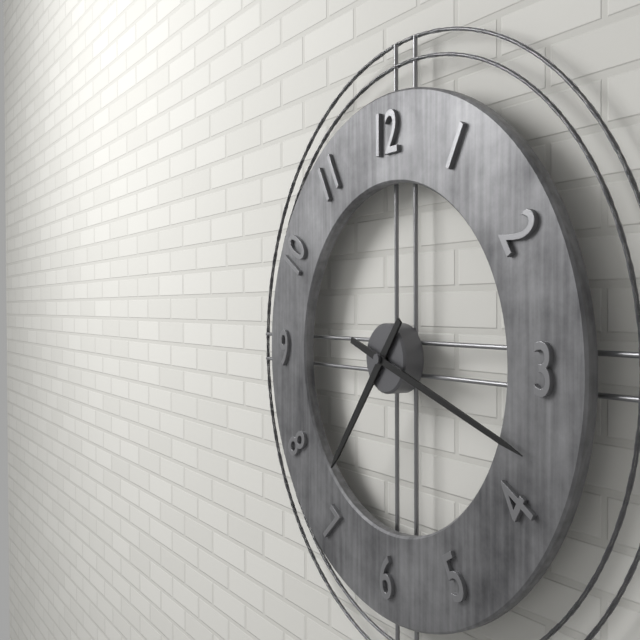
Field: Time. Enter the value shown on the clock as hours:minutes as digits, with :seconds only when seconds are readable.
7:18
